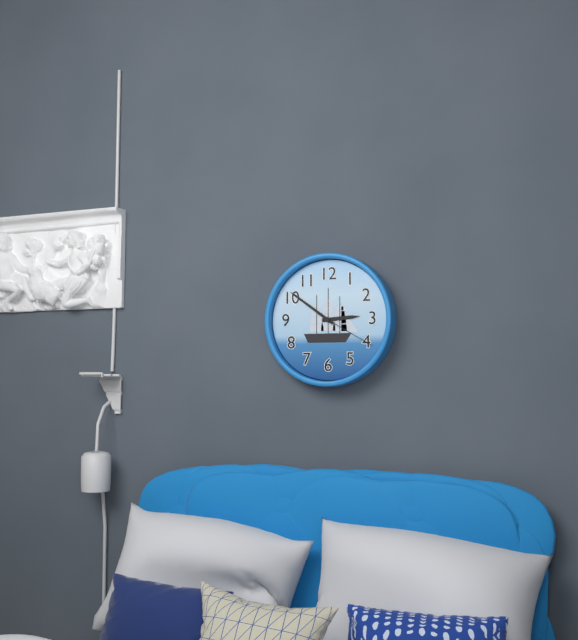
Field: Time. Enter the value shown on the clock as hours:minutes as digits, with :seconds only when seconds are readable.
2:51:20
